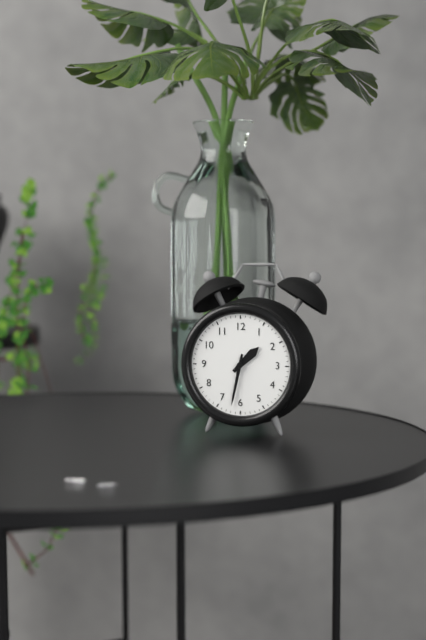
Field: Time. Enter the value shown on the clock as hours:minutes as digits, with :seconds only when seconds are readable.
1:32
